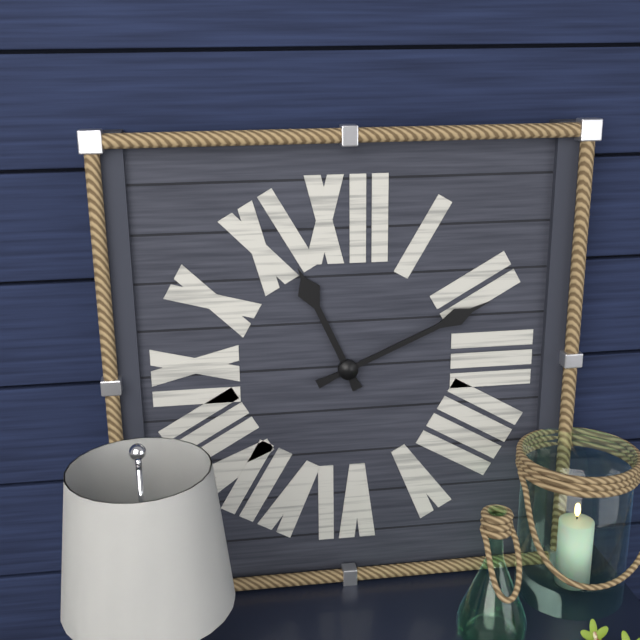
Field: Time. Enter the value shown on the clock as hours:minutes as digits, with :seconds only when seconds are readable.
11:11
